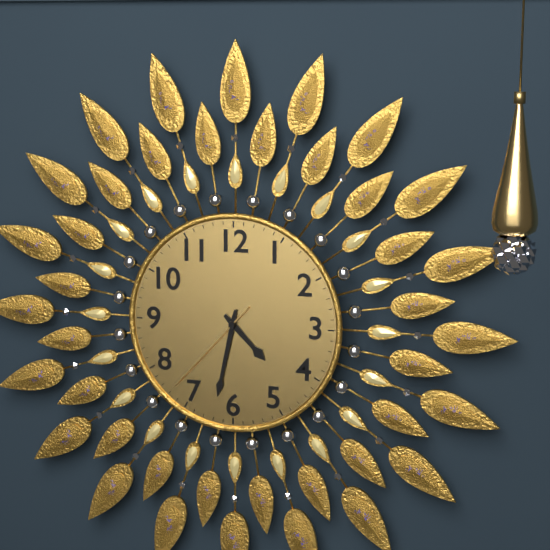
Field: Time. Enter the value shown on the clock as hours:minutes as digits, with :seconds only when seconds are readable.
4:32:37
